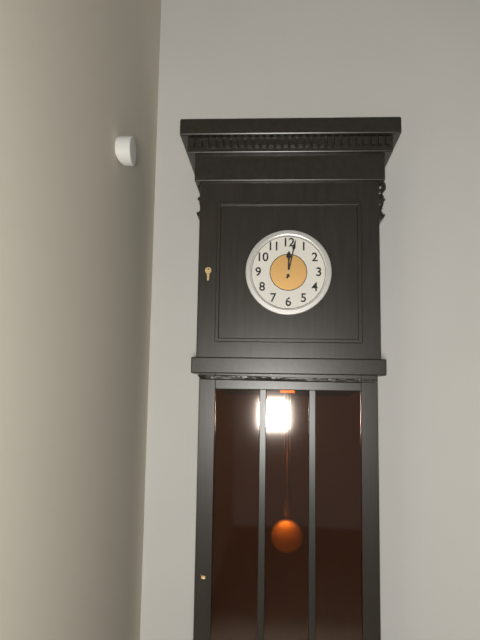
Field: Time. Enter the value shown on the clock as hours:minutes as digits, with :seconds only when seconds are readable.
12:02
